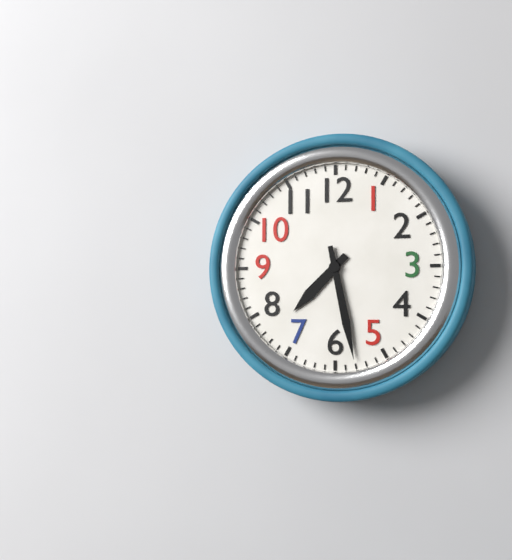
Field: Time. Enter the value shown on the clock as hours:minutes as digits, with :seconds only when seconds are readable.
7:28
